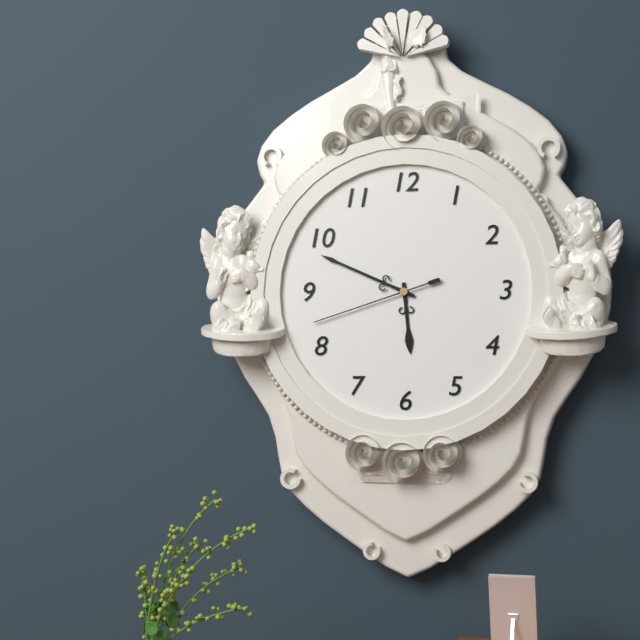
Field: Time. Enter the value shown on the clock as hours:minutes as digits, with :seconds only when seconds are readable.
5:49:42
